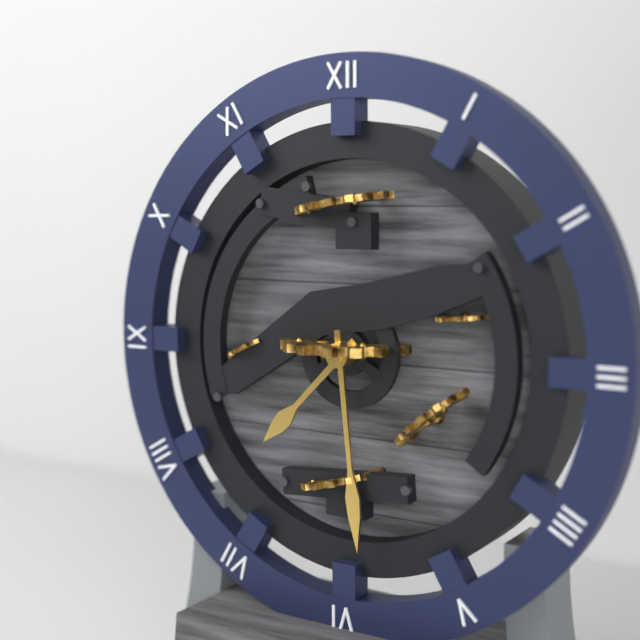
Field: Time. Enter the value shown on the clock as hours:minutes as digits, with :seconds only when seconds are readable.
7:29
